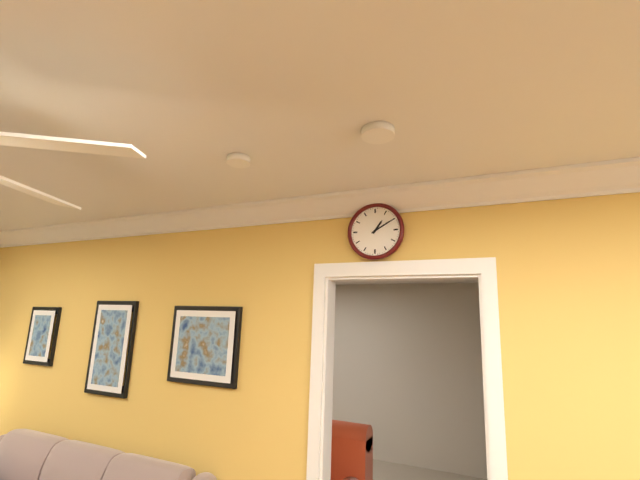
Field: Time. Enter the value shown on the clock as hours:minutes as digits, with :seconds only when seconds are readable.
1:10
